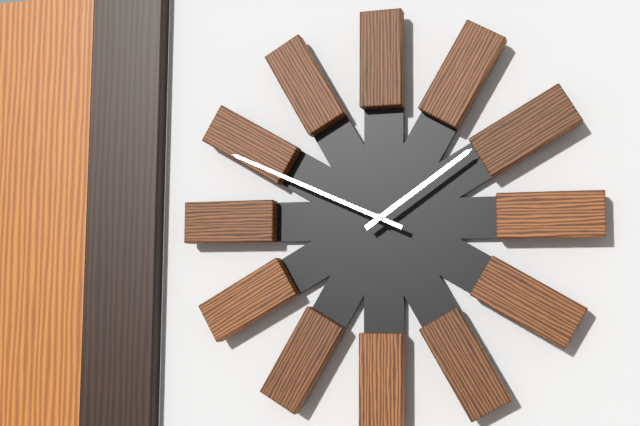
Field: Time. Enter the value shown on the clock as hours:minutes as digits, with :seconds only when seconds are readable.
1:49
